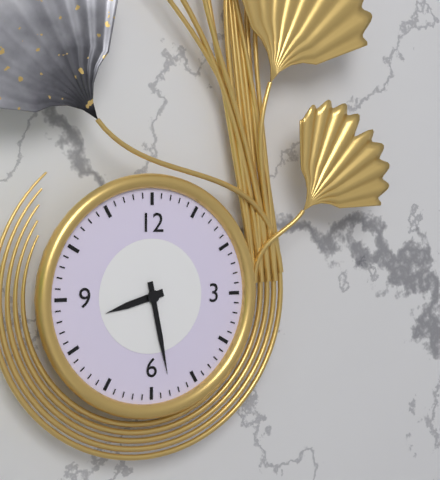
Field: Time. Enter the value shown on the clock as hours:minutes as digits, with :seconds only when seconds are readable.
8:28
